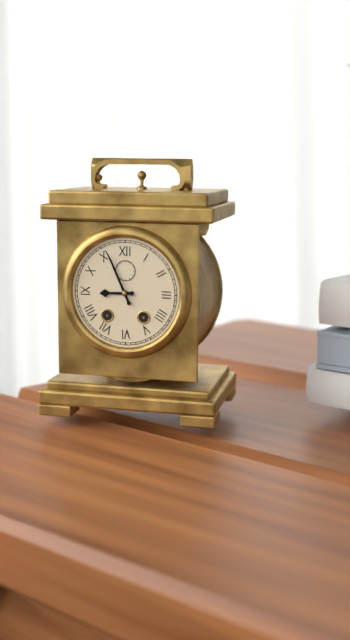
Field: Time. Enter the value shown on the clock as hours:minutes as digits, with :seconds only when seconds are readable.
8:56
